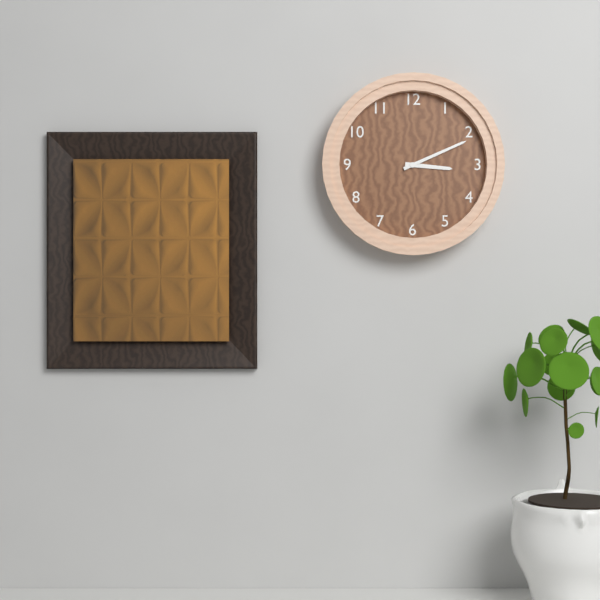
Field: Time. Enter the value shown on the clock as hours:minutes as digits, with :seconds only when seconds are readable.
3:11
